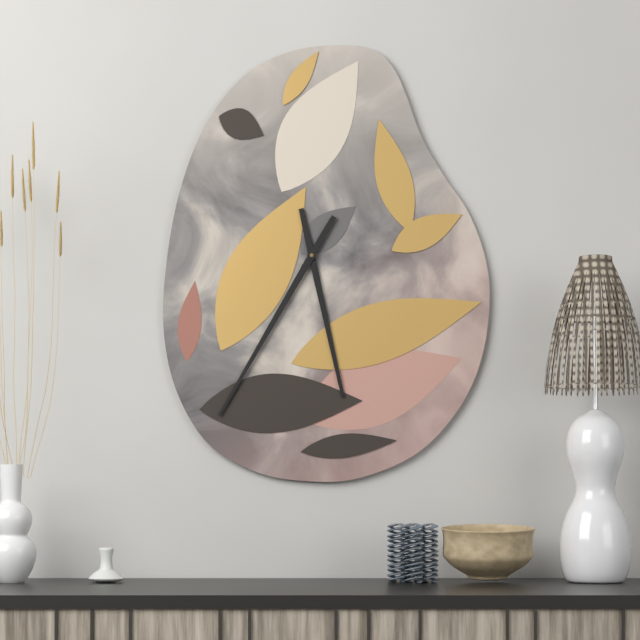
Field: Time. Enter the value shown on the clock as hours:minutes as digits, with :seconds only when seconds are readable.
5:35
